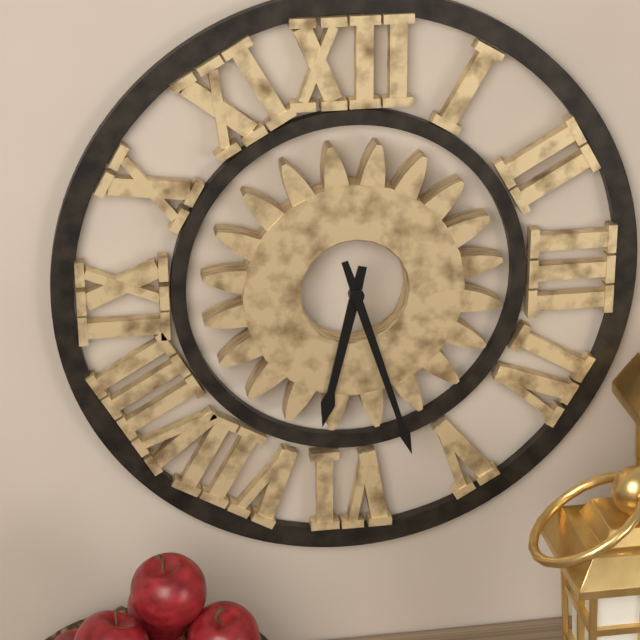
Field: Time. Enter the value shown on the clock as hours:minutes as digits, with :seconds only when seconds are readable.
6:27
